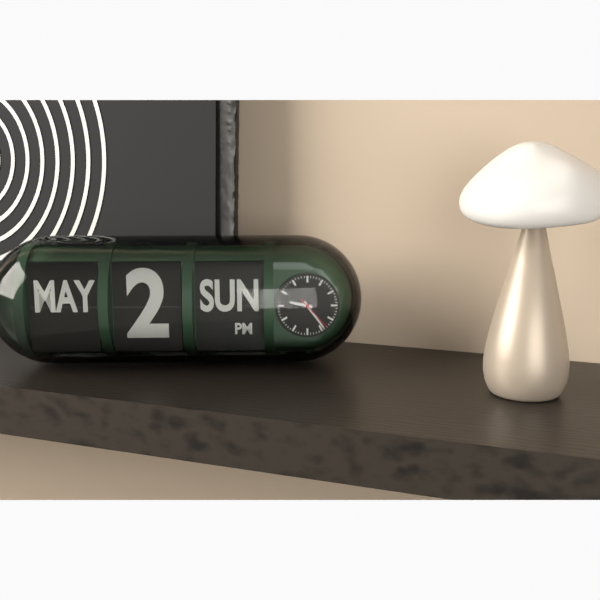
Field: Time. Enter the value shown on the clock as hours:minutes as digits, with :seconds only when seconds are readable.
9:24
